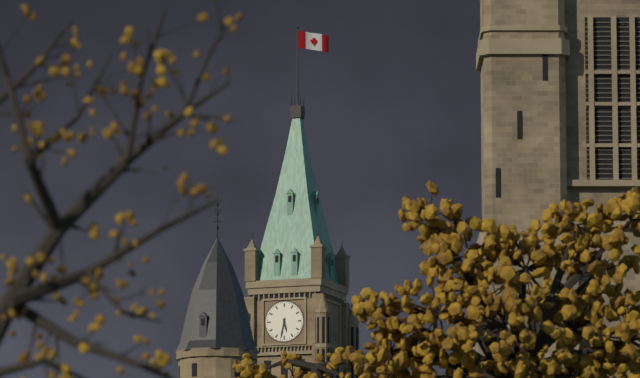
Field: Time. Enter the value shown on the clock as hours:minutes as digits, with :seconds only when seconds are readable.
5:32
